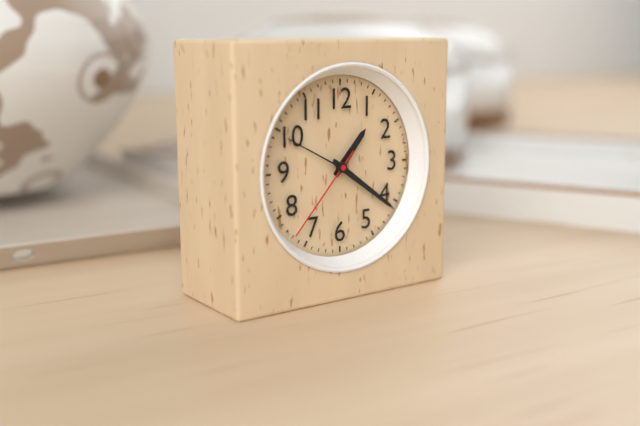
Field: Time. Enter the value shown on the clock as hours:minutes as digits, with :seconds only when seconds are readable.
1:21:37
